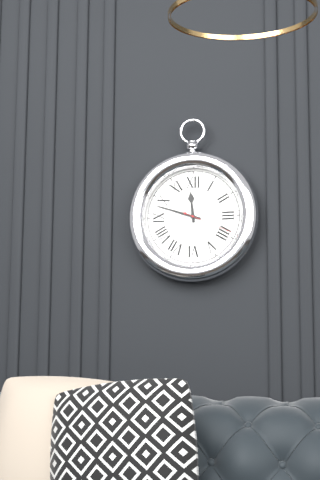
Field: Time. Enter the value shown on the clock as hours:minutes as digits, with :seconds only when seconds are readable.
11:48:19
